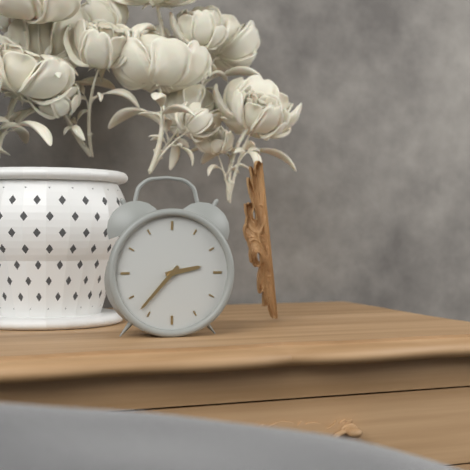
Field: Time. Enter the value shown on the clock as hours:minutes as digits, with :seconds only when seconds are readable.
2:37
